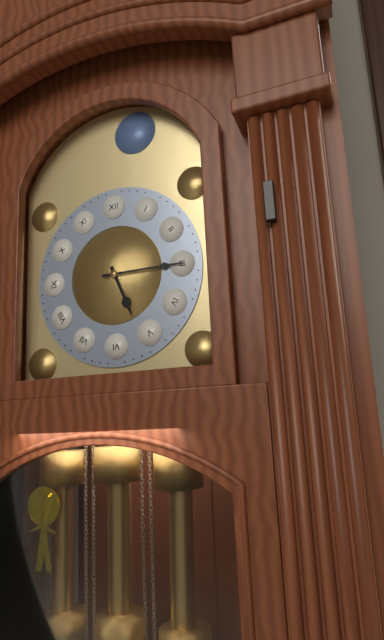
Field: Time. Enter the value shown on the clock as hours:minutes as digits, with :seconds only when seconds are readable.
5:15
